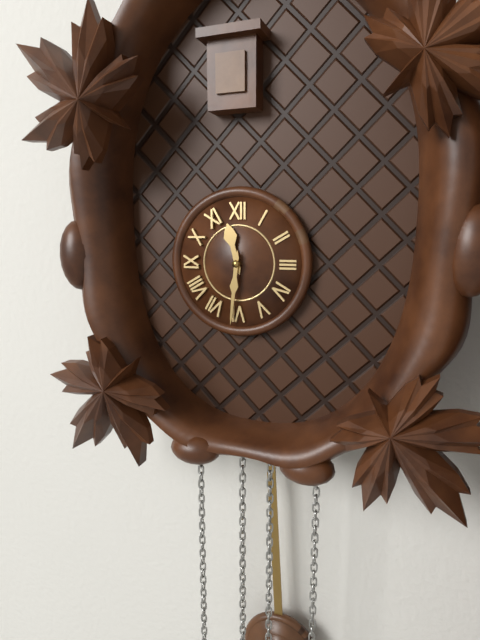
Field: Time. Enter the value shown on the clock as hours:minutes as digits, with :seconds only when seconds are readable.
11:31
